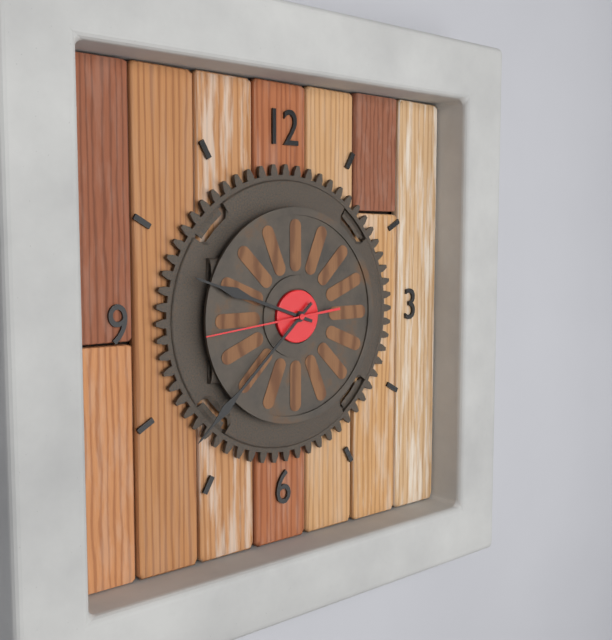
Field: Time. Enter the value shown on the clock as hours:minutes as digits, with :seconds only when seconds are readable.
9:38:44
